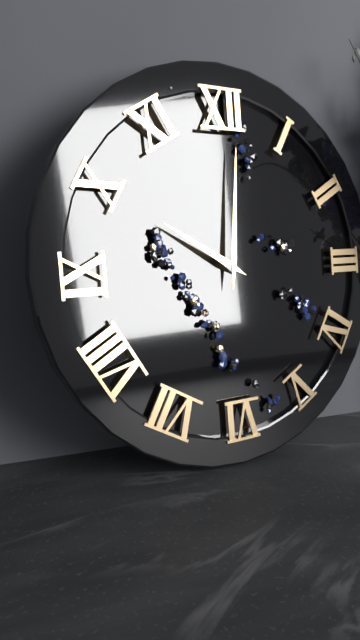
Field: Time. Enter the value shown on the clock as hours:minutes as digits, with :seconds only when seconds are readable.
10:01
